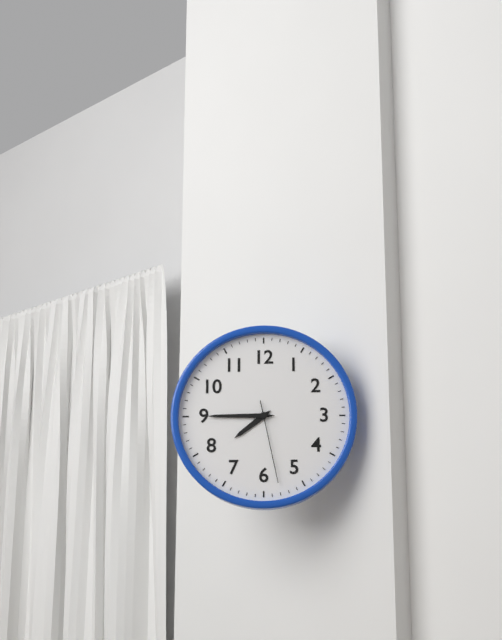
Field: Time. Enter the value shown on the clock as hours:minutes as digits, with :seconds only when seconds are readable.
7:45:28
